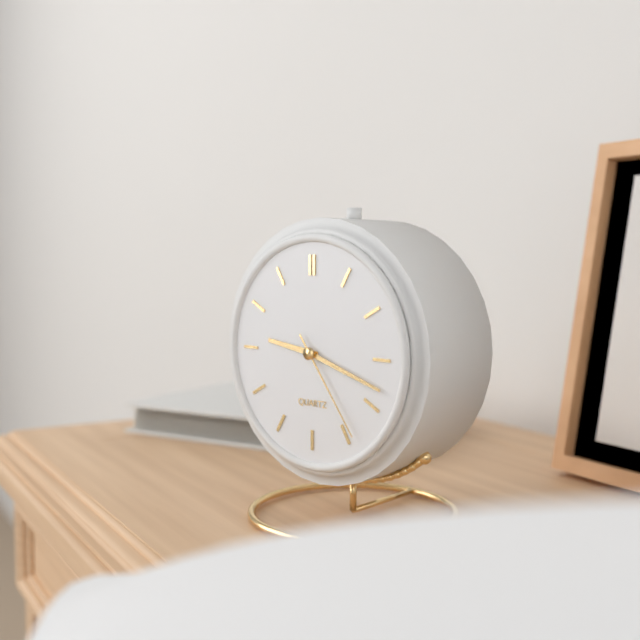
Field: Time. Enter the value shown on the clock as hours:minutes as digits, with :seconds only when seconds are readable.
9:18:24
